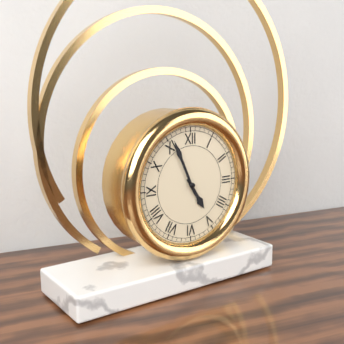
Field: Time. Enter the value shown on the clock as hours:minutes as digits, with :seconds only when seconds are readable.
4:56
